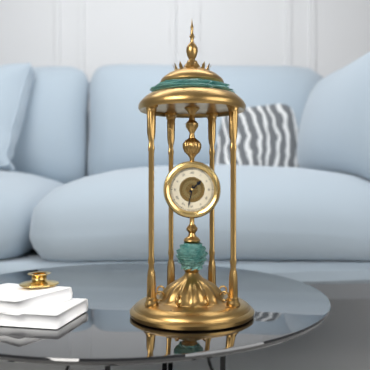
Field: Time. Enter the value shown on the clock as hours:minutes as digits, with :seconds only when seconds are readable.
1:32
